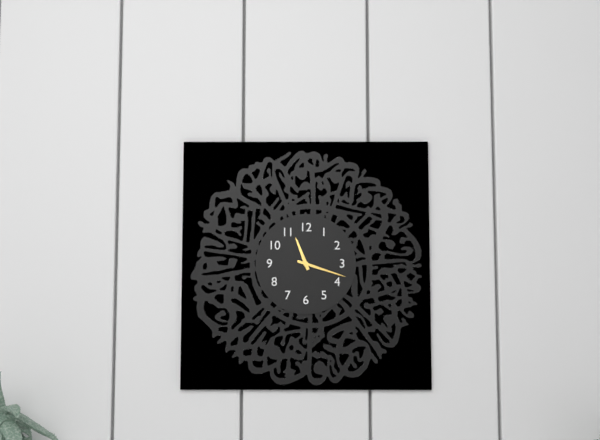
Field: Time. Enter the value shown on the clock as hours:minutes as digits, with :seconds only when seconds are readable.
11:18
